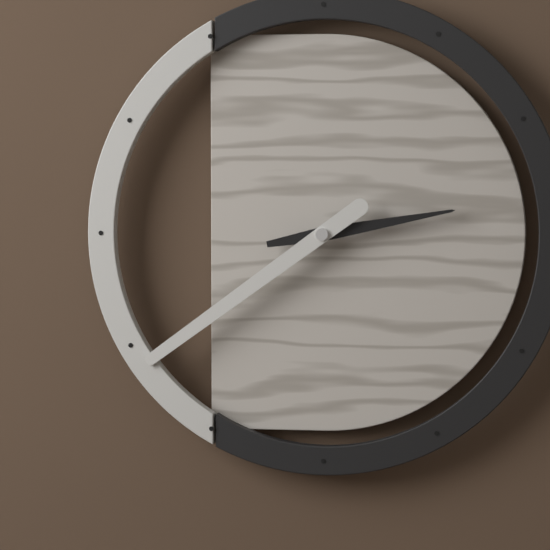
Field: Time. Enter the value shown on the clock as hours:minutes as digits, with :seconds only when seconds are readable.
2:39
